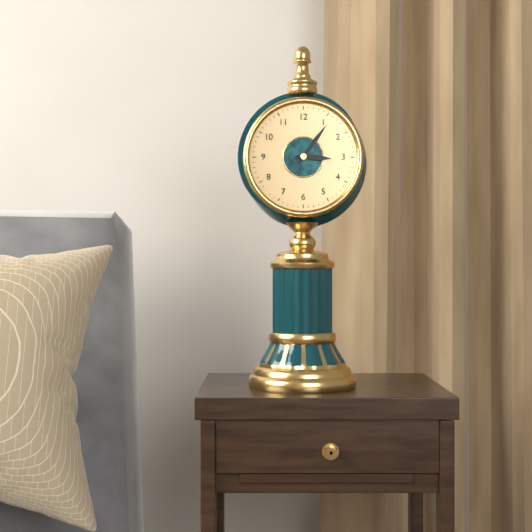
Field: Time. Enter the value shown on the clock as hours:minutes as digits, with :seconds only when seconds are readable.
3:06
